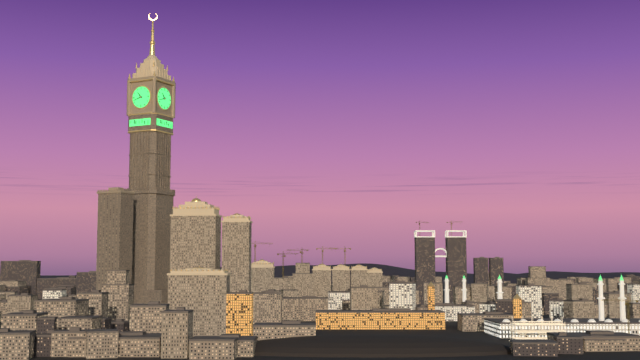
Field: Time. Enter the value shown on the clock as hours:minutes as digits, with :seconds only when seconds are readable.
10:42
